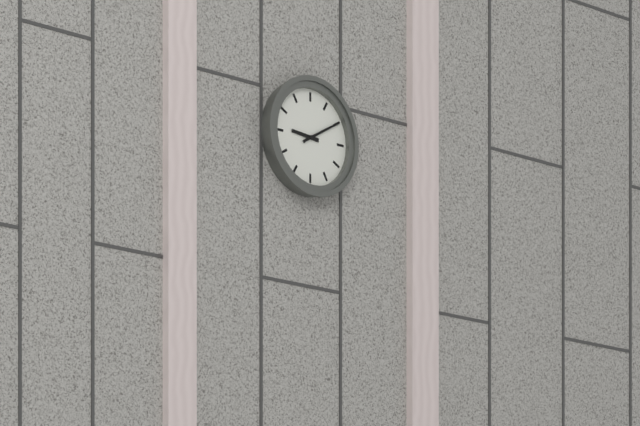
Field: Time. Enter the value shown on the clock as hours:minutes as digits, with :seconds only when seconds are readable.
9:10
